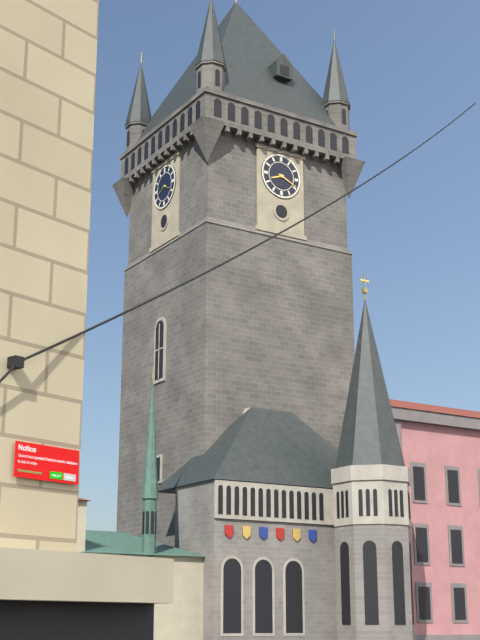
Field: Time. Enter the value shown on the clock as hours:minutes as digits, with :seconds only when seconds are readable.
8:19
